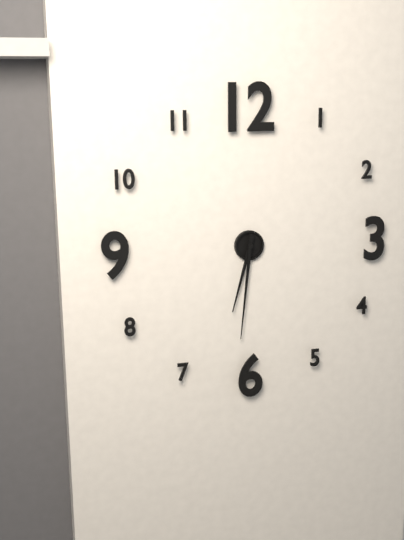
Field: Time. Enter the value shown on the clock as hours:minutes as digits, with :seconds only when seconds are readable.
6:31
